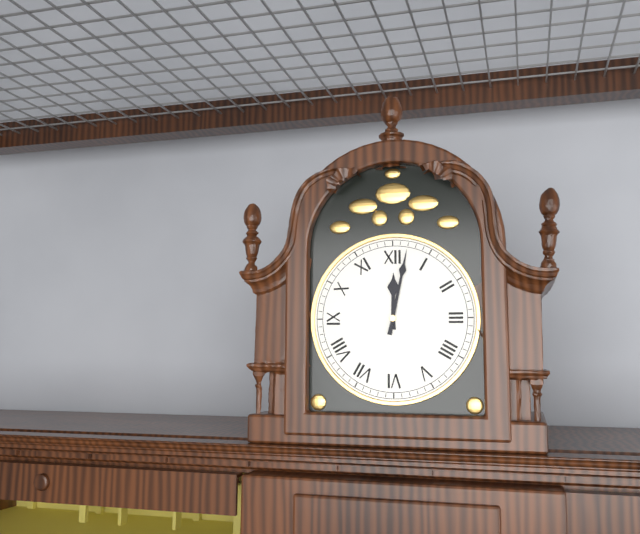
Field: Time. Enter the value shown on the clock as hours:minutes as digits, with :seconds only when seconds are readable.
12:02
